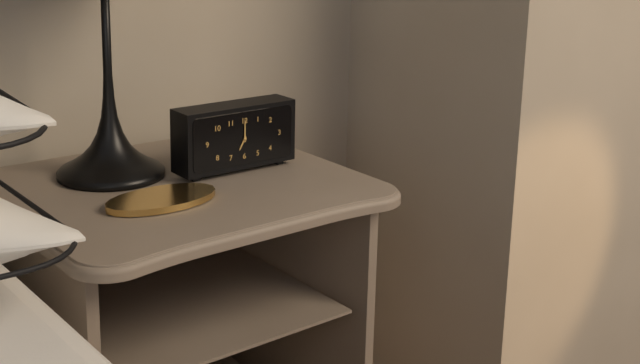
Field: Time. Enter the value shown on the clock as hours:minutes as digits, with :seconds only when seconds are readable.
7:00
